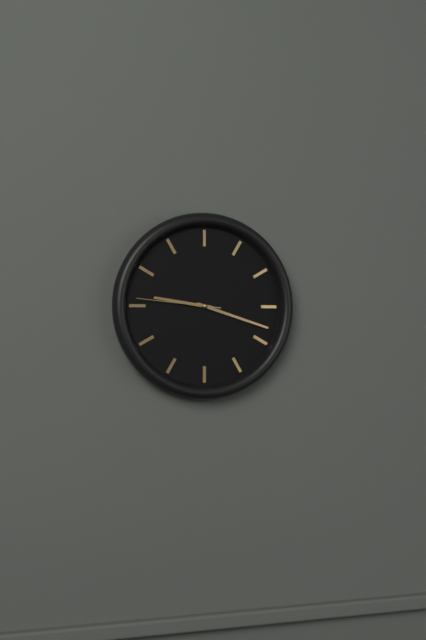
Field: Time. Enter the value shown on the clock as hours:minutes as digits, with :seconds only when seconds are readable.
9:18:46
